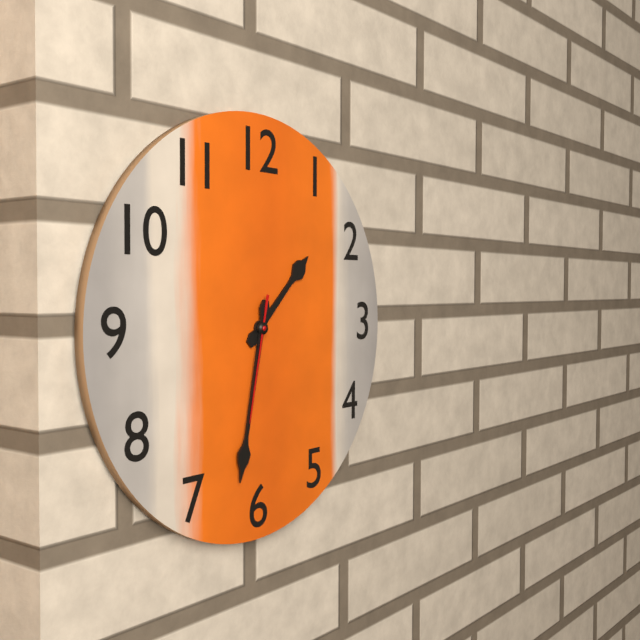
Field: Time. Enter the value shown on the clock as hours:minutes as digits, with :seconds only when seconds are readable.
1:32:32
